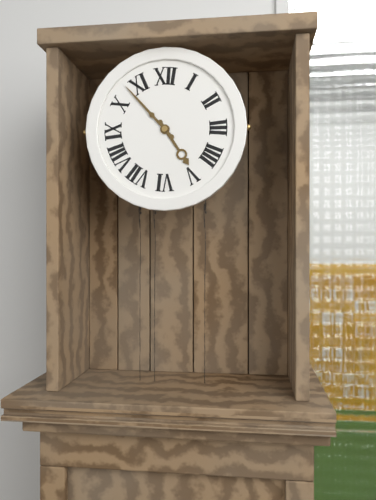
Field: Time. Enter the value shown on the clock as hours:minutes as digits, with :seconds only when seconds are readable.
4:53
